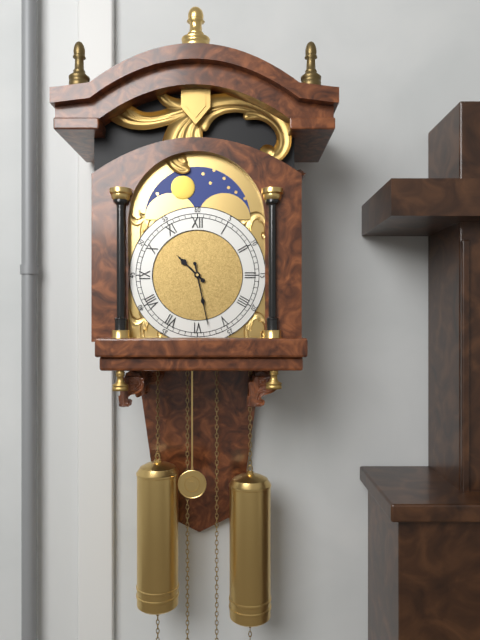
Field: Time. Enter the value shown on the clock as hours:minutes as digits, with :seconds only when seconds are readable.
10:28
